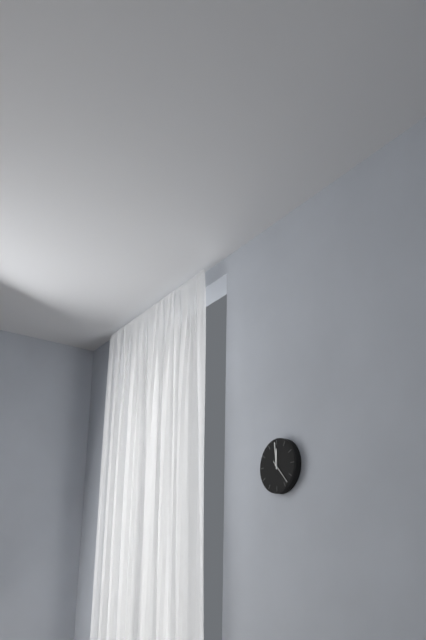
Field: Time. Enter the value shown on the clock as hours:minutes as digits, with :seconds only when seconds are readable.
11:59
